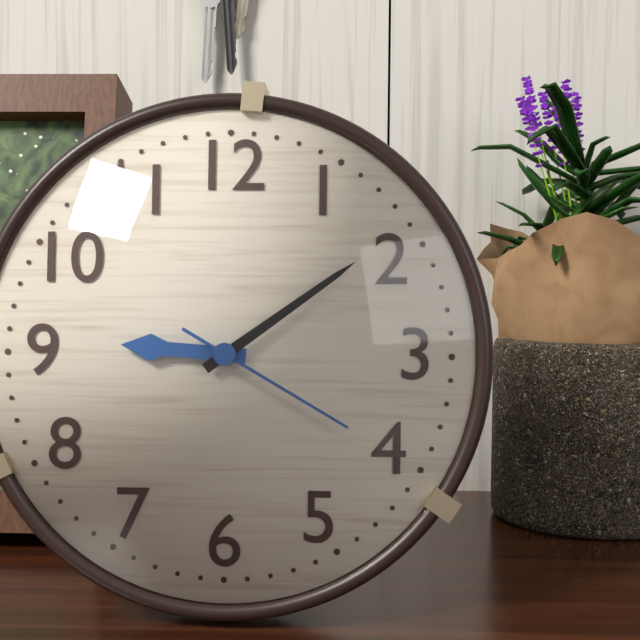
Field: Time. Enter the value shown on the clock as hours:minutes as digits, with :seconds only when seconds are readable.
9:09:20
